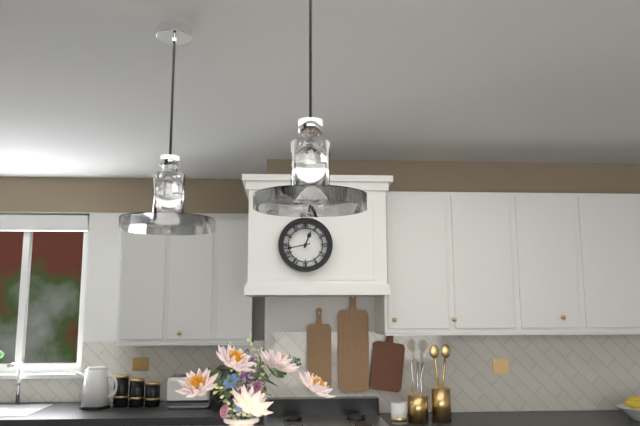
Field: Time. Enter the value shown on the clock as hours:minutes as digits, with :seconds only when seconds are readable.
12:43
